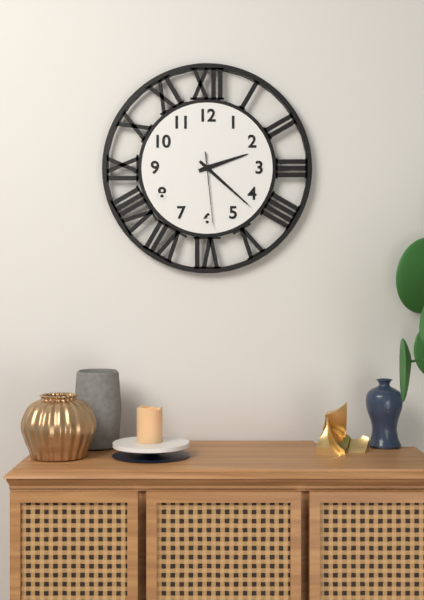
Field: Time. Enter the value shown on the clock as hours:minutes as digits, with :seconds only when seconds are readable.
2:22:29
